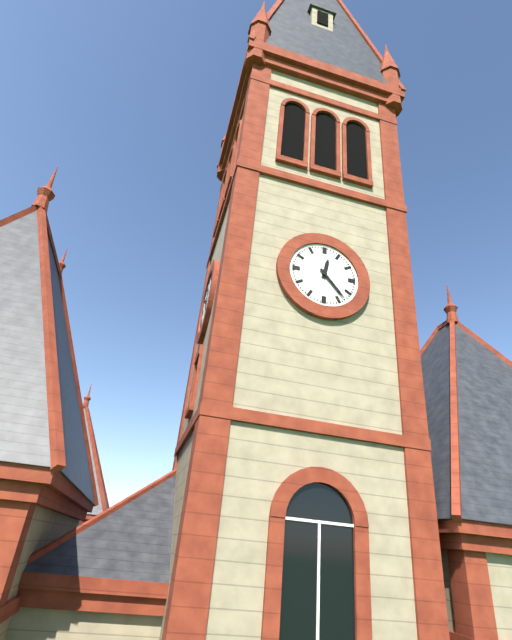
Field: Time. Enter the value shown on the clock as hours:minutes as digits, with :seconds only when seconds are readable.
12:23
